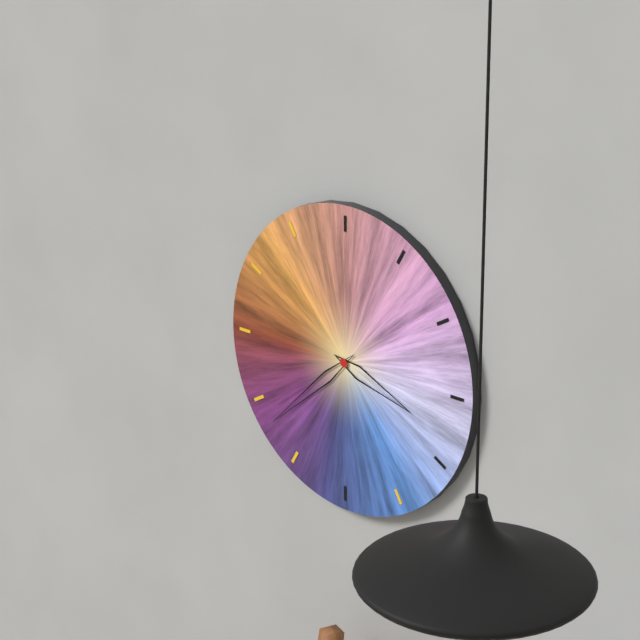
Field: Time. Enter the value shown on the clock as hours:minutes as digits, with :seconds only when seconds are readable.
3:38
